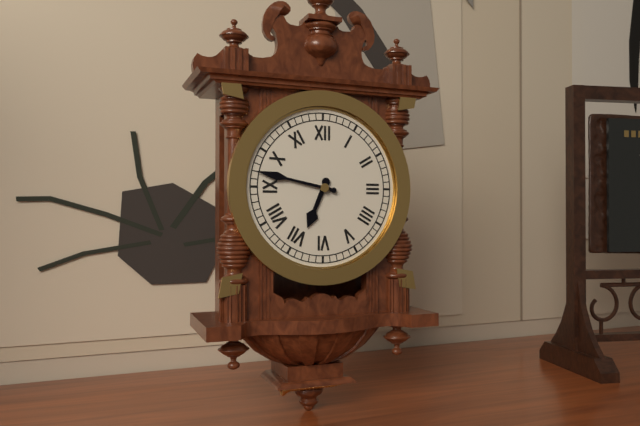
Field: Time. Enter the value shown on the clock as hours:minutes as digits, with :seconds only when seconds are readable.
6:47
